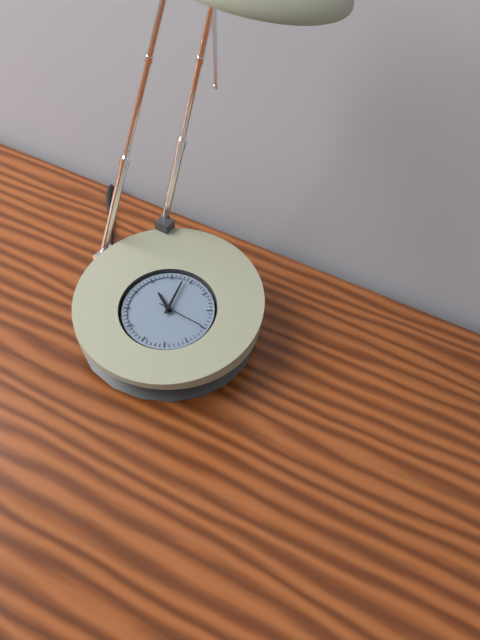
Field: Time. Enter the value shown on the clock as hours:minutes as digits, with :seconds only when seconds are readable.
9:58
